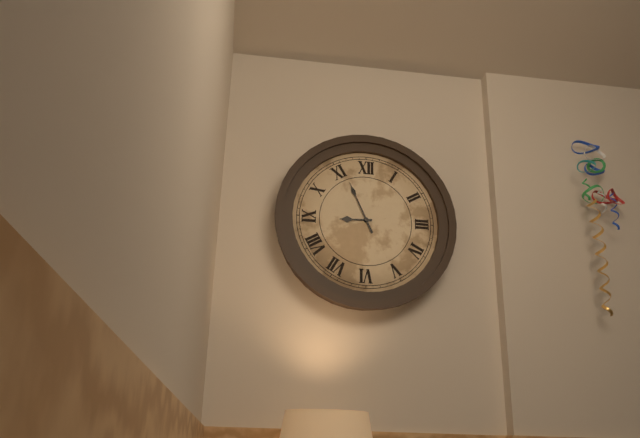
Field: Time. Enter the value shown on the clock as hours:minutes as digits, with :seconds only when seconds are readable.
8:56
